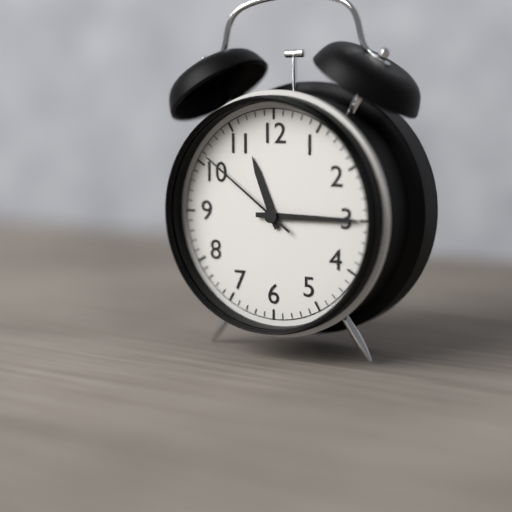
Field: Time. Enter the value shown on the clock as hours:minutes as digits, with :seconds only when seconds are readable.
11:15:51
